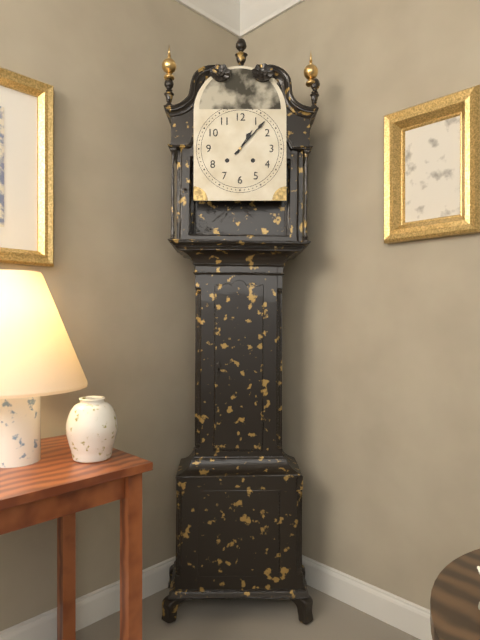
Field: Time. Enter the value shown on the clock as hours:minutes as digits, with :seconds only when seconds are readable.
1:07
